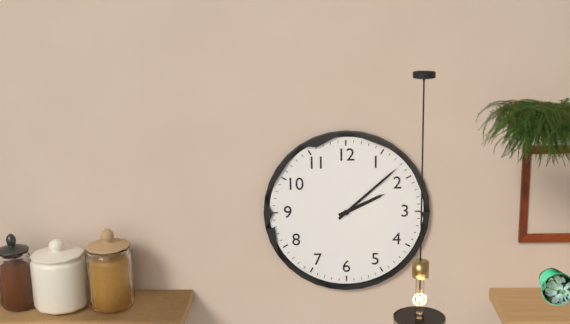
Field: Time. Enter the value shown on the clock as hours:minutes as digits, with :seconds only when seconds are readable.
2:08
